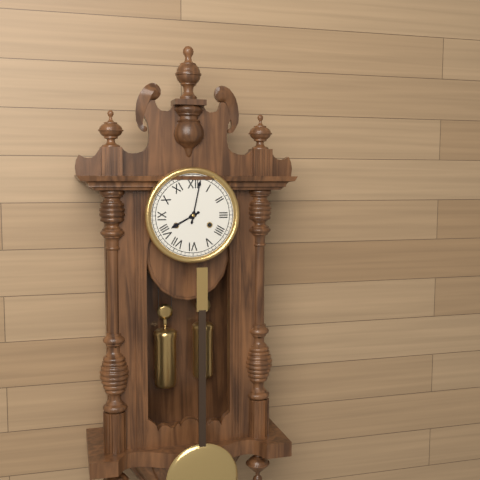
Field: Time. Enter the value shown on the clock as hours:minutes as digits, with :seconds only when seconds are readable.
8:02
